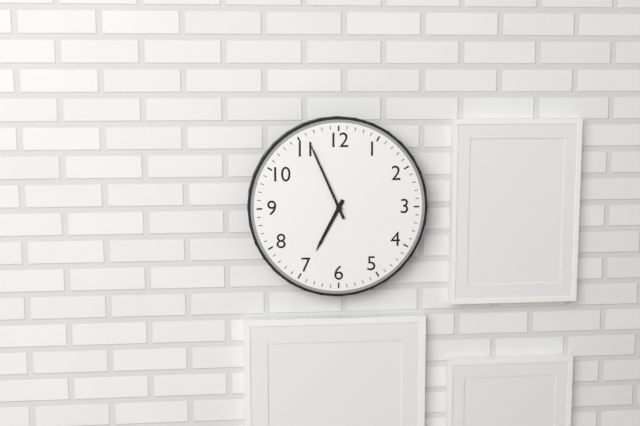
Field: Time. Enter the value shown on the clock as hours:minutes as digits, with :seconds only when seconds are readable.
6:56
